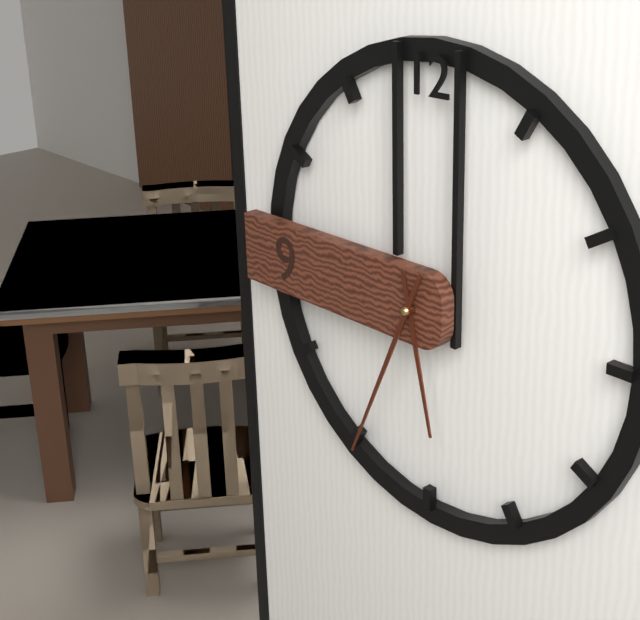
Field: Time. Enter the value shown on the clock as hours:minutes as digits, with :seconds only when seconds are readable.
5:34
